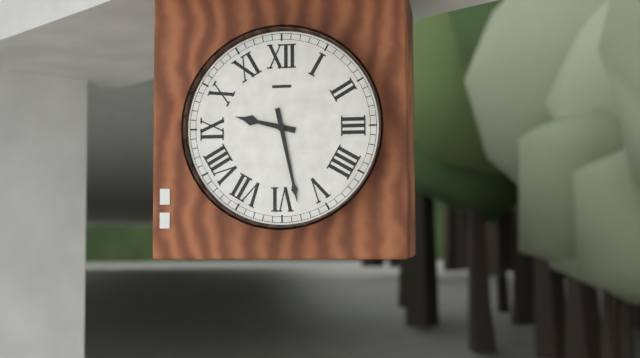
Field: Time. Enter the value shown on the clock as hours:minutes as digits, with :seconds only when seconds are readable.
9:28
